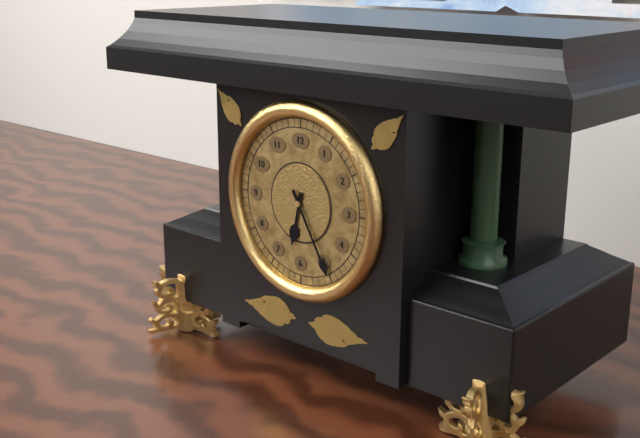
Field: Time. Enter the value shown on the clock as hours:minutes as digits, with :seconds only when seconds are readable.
6:25
